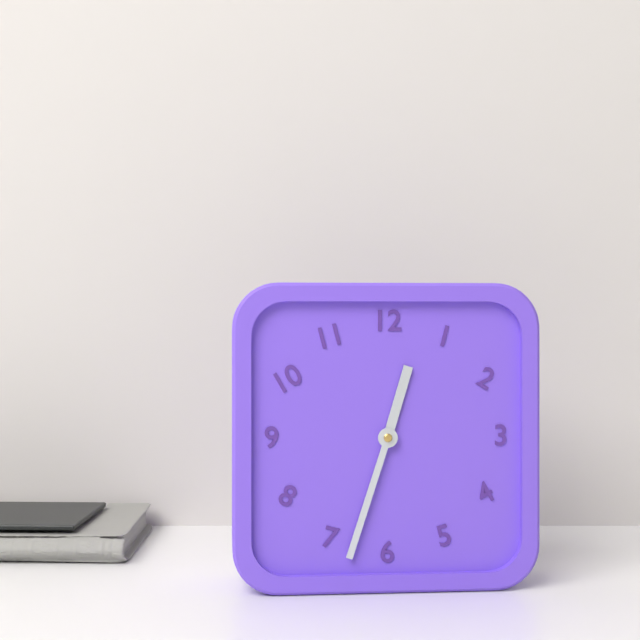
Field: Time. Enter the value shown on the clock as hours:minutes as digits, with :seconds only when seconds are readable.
12:33
